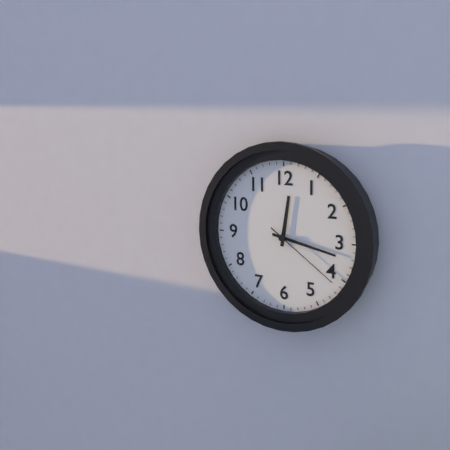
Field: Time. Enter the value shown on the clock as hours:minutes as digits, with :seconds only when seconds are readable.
12:17:21
